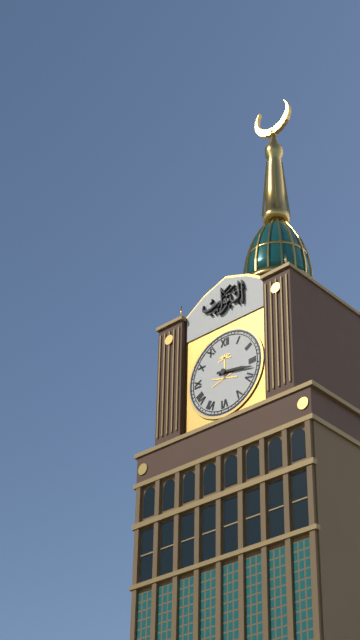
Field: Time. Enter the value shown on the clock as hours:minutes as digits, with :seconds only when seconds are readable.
3:17
